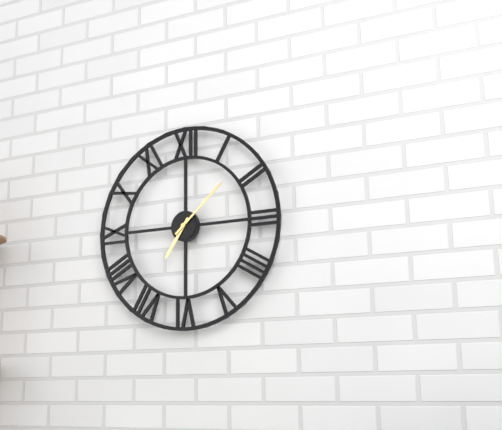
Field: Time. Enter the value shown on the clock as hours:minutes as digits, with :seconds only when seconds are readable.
7:08
